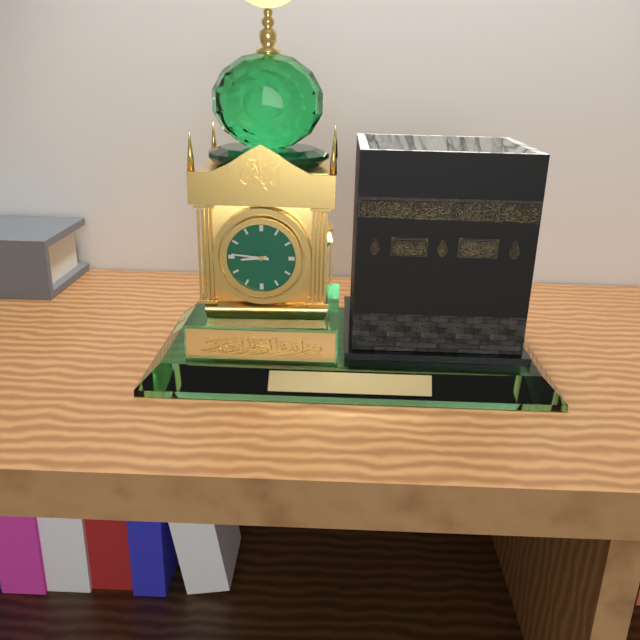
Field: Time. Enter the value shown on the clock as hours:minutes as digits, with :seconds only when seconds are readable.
8:46
